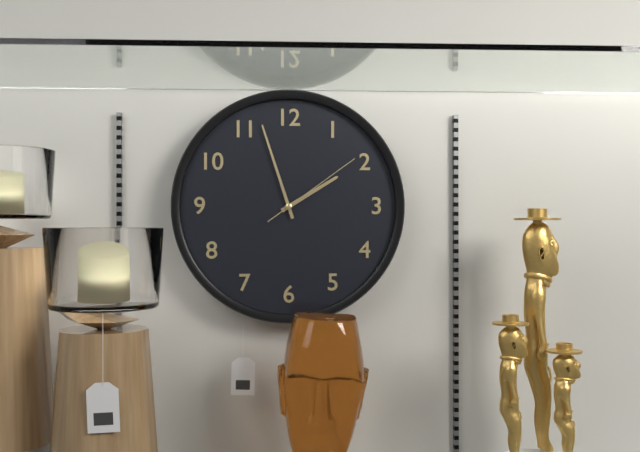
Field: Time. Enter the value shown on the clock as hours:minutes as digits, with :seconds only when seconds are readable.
1:57:09
